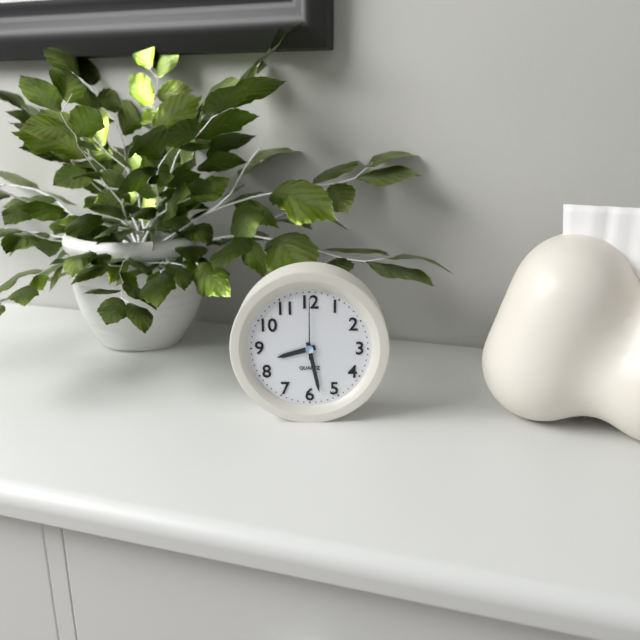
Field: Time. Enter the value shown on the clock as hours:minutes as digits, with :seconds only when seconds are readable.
8:28:00
